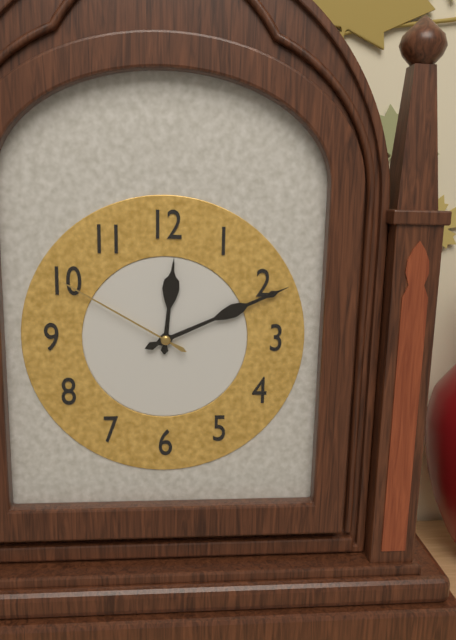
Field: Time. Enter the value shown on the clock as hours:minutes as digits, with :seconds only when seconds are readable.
12:11:50
